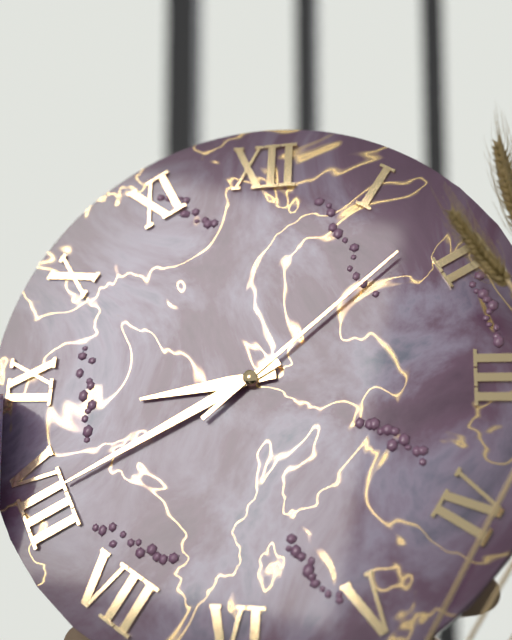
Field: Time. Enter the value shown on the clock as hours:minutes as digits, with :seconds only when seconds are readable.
8:40:08
